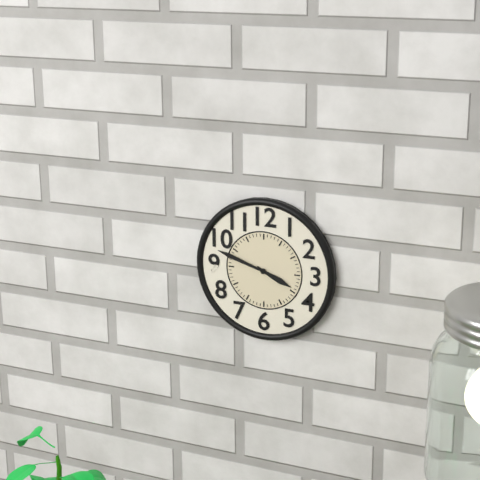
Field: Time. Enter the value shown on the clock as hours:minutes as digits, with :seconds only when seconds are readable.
3:48
